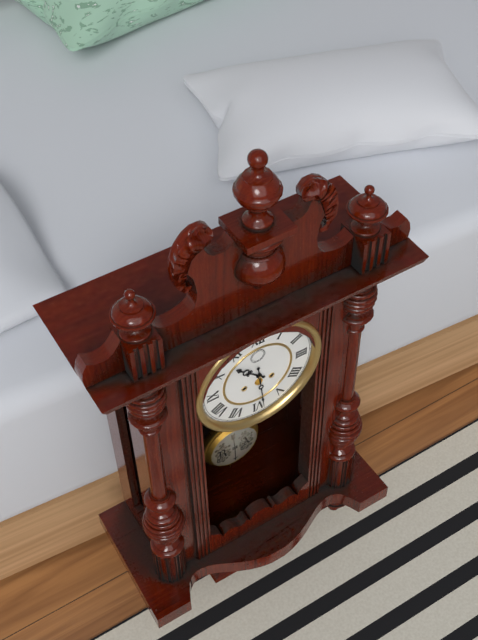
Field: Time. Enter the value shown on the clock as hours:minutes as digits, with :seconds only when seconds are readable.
10:29
